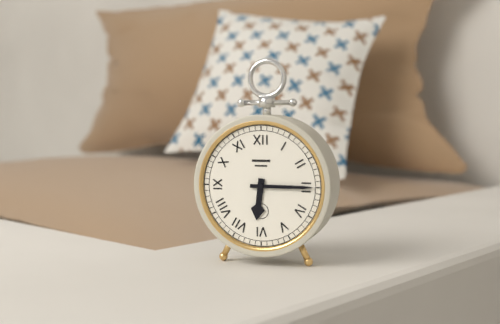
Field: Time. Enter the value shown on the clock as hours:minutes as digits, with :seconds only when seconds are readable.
6:15
